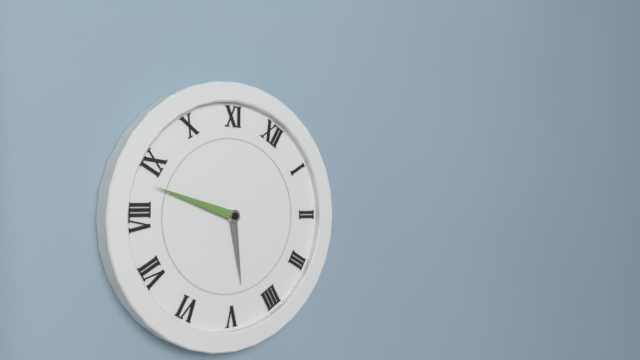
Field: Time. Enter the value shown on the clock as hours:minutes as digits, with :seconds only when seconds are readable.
4:43
